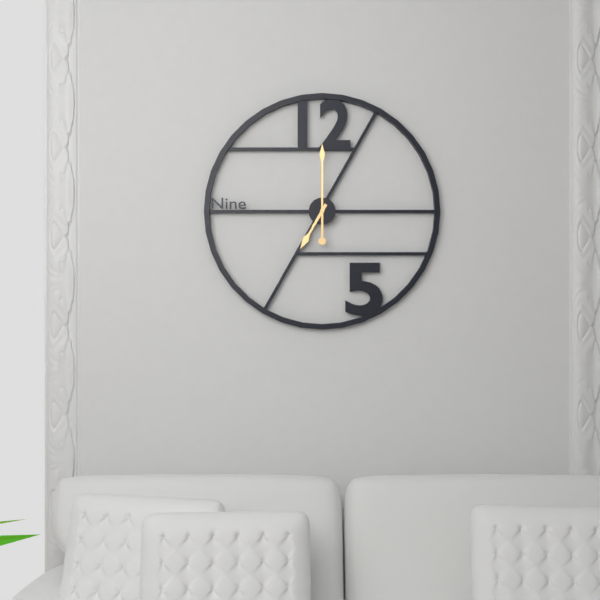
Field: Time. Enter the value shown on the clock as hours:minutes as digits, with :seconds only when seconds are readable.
7:00
